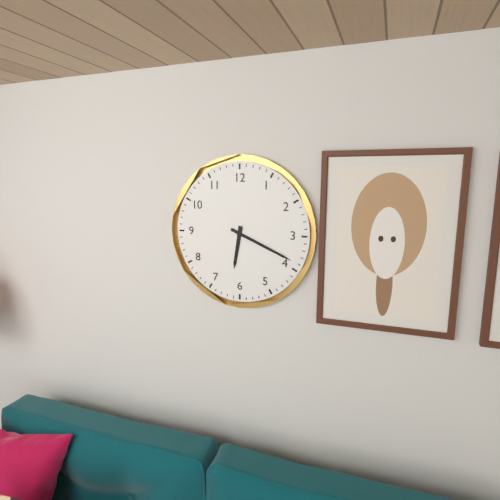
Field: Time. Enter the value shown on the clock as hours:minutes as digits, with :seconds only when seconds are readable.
6:19
